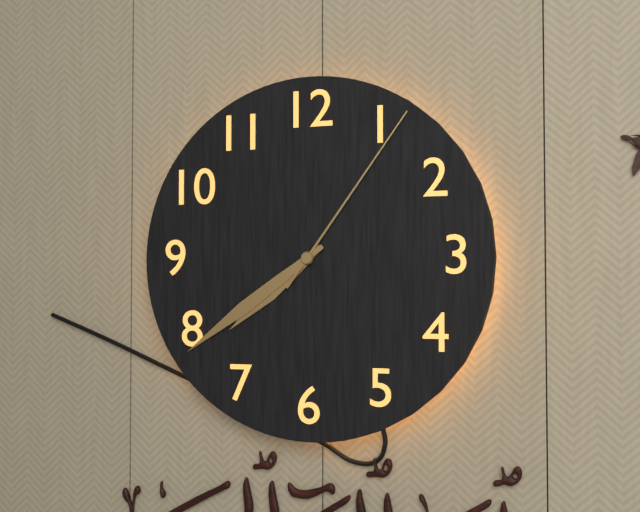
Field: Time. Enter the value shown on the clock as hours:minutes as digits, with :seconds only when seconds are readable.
7:39:06
